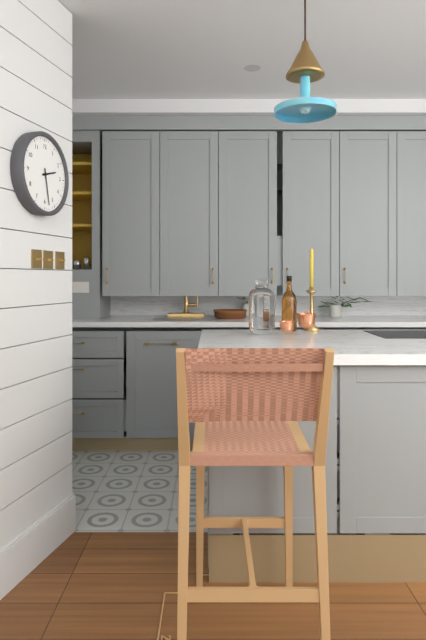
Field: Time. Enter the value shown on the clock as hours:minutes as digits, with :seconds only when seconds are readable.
2:28
